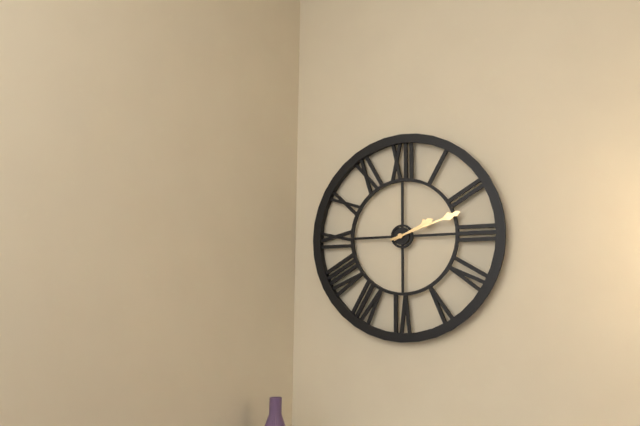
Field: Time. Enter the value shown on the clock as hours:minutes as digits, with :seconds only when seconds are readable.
2:12
